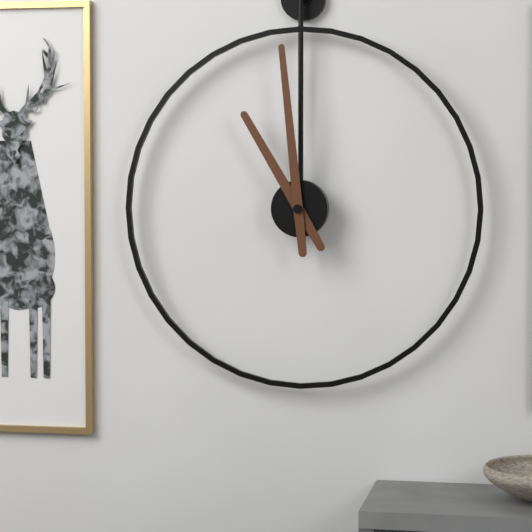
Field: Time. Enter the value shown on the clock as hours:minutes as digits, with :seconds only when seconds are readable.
10:59
